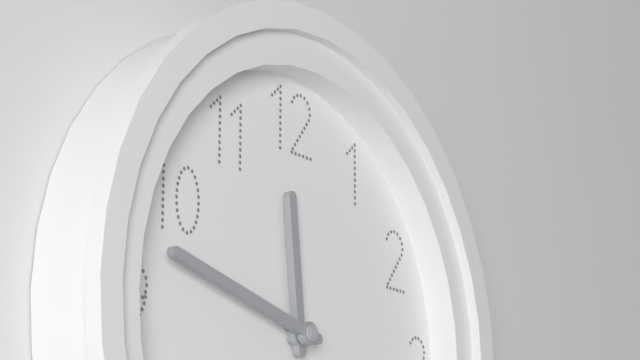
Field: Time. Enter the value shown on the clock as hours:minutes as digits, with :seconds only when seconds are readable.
11:47
